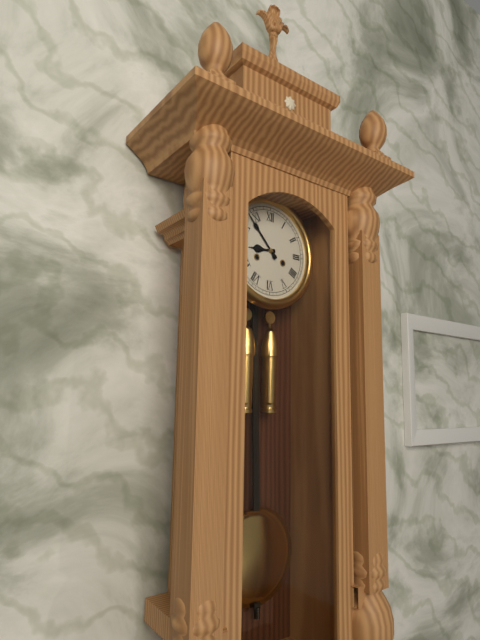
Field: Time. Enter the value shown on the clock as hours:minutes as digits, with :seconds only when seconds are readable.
8:53
